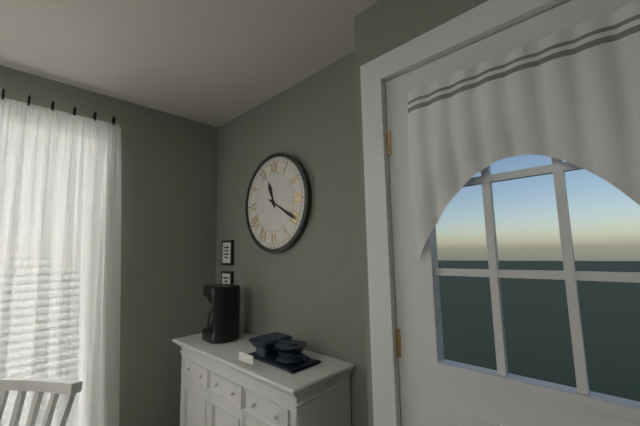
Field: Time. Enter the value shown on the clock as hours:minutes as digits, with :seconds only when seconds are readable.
11:20
